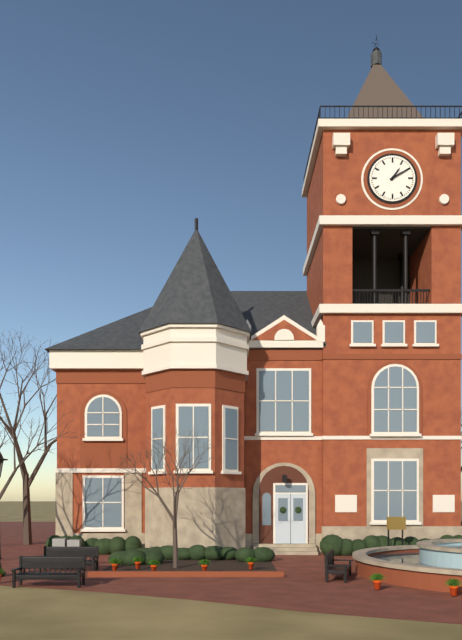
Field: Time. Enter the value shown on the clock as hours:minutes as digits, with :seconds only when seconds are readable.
1:10
